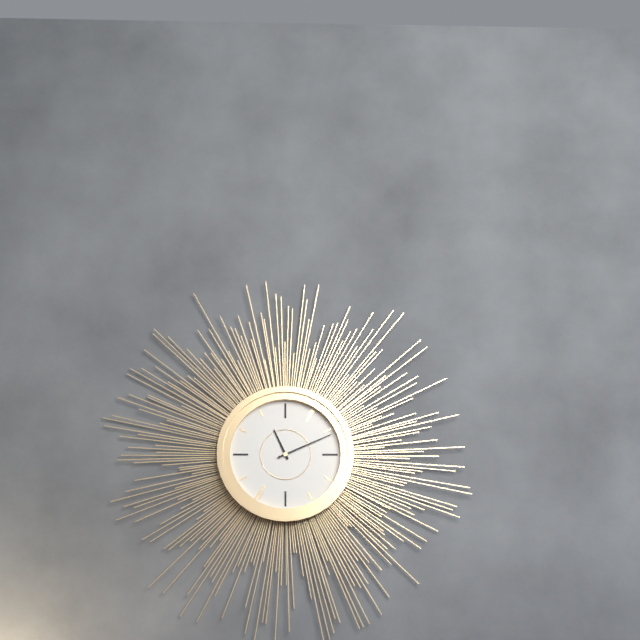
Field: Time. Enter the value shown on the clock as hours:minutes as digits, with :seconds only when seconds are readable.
11:11
